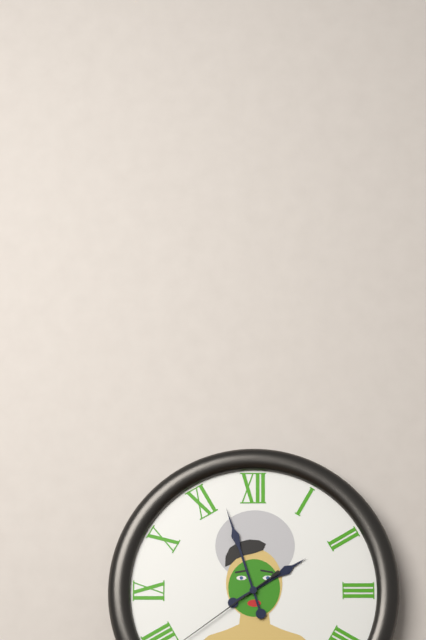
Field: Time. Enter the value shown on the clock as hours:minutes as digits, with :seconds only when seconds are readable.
1:57
